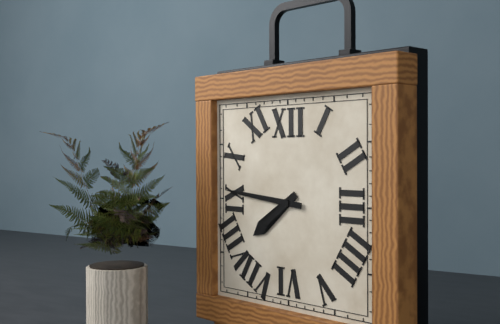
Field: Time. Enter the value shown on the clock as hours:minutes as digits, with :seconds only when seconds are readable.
7:46
